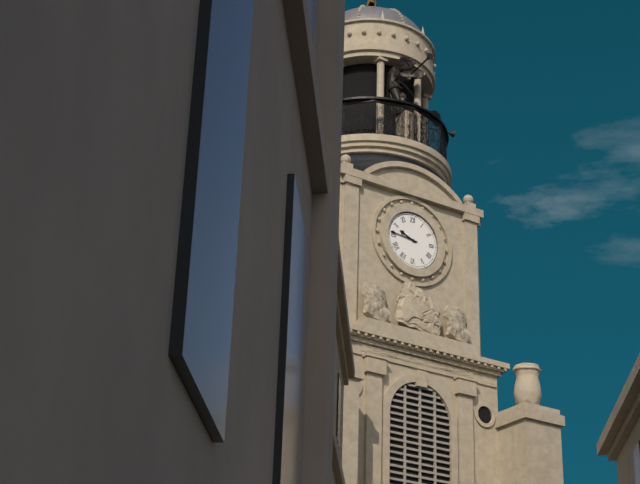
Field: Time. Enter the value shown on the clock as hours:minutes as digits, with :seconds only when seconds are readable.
9:46
